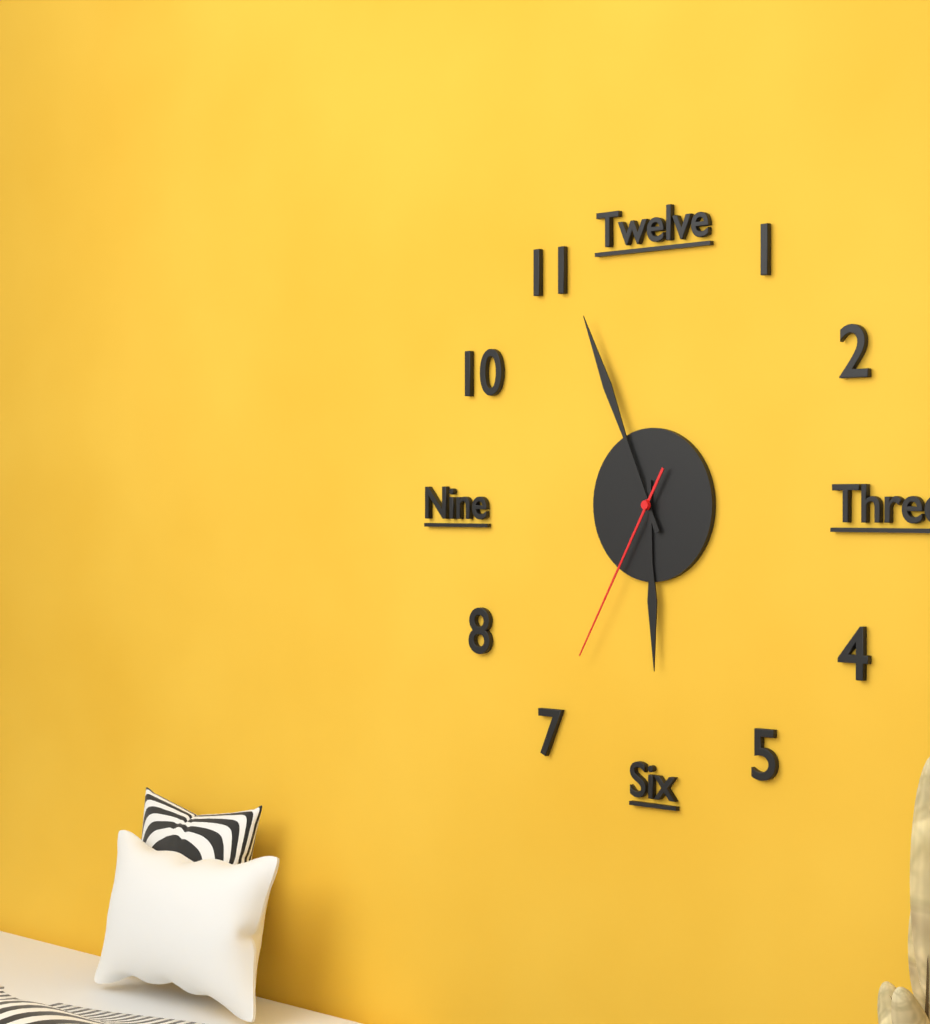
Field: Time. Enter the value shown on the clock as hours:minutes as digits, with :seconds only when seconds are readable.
5:56:35
